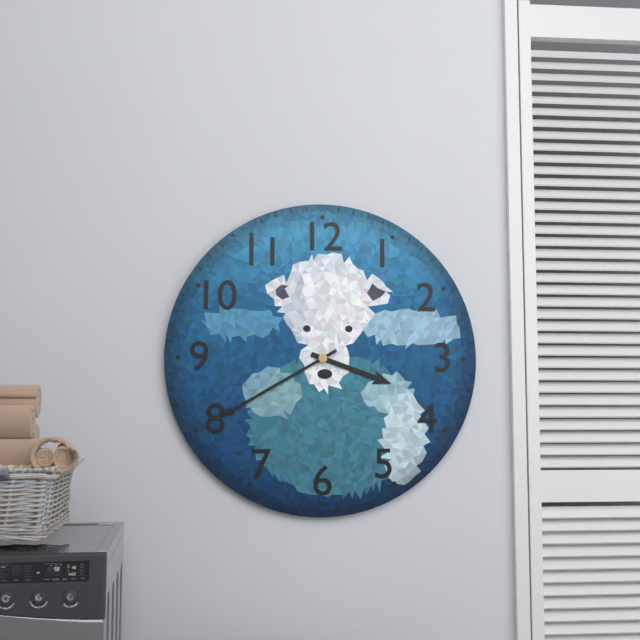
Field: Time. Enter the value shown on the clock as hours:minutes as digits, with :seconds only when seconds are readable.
3:40
